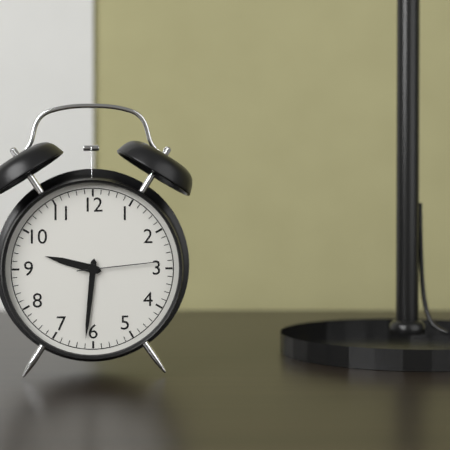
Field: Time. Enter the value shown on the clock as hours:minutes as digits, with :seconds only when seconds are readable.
9:31:14
